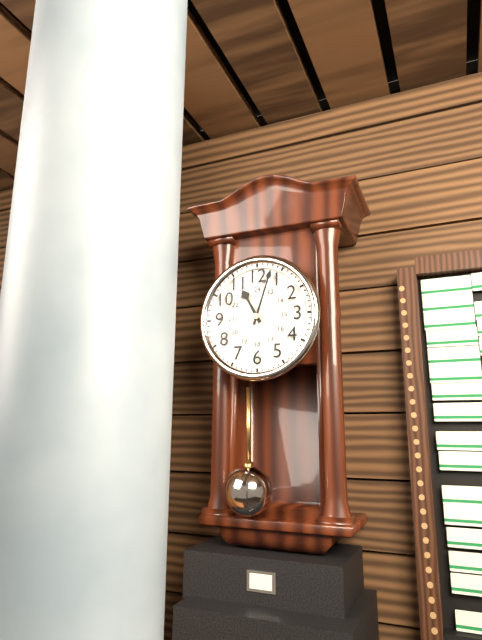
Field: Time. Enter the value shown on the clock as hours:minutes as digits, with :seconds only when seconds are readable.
11:03
